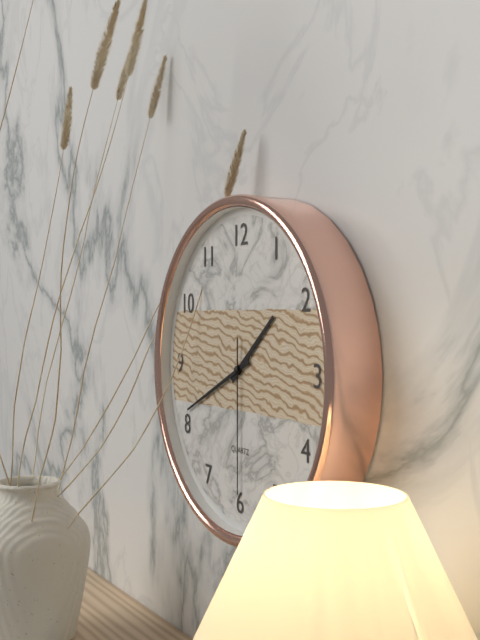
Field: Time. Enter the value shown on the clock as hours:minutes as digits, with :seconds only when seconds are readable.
1:41:30
